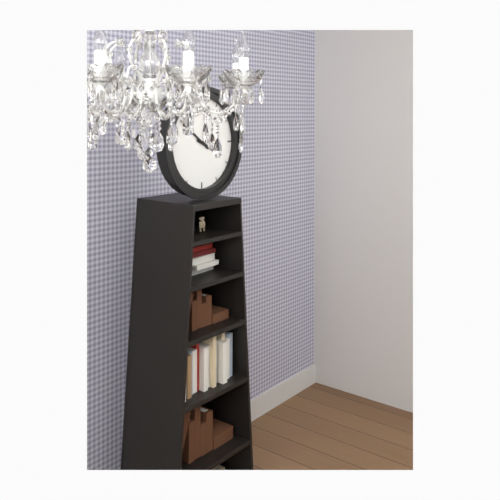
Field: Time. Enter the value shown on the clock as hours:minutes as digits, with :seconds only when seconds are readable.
3:51
